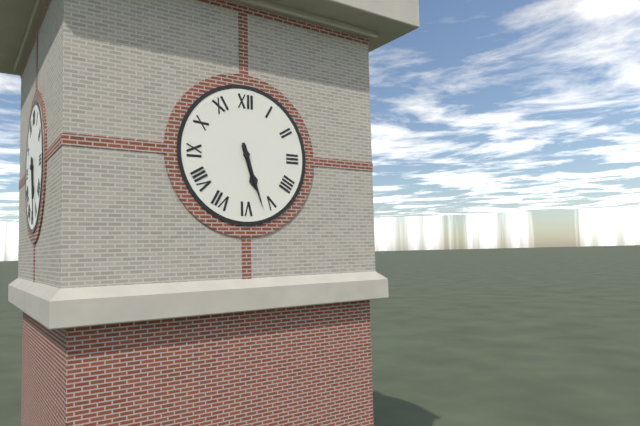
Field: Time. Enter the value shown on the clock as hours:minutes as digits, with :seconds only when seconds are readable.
5:27
